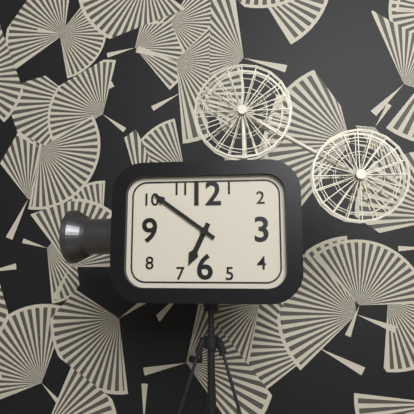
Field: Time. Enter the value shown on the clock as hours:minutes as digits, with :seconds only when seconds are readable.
6:51
